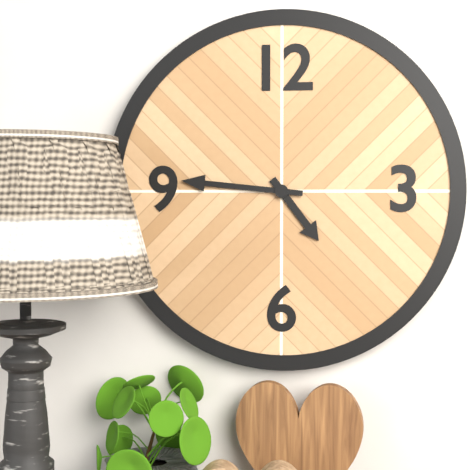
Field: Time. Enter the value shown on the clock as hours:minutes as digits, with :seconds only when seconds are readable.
4:46
